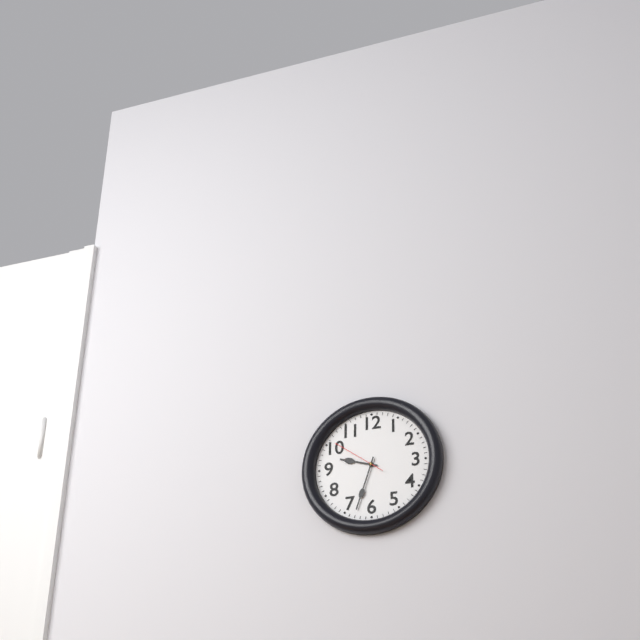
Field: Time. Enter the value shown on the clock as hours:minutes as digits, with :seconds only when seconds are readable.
9:33:51
